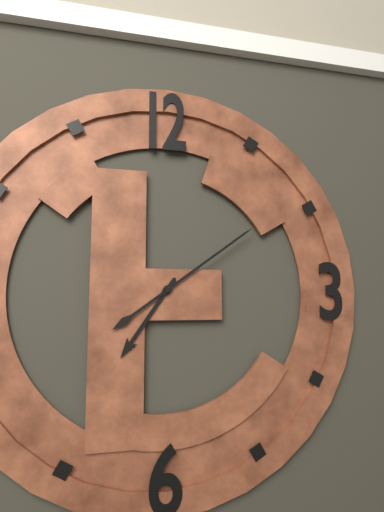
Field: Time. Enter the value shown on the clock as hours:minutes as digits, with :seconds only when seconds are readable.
7:09
